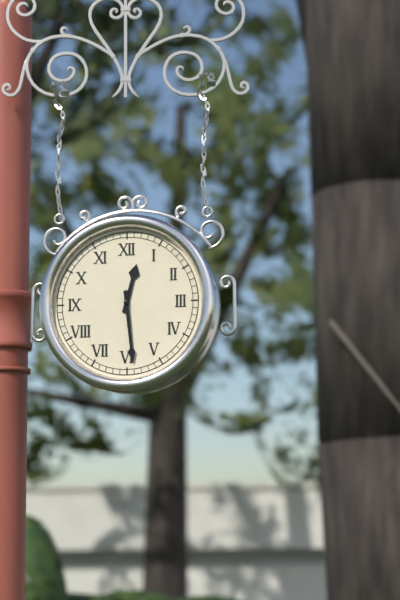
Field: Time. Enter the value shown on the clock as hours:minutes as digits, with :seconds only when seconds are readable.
12:29
